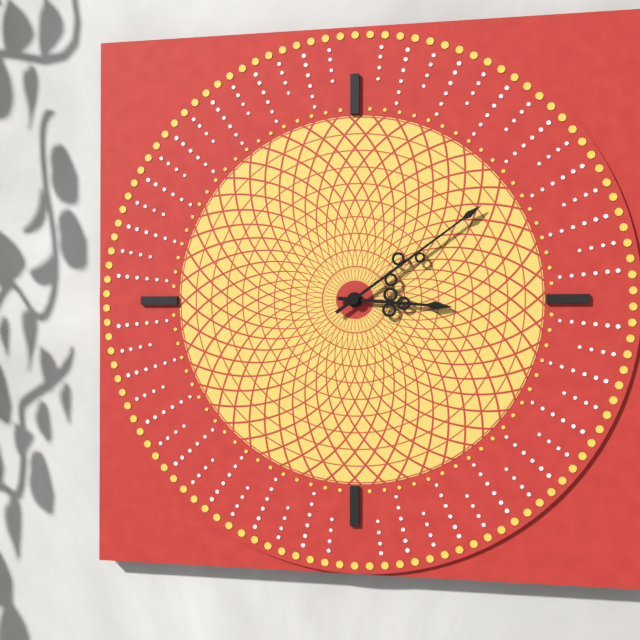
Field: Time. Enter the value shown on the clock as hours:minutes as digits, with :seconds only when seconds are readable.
3:09
